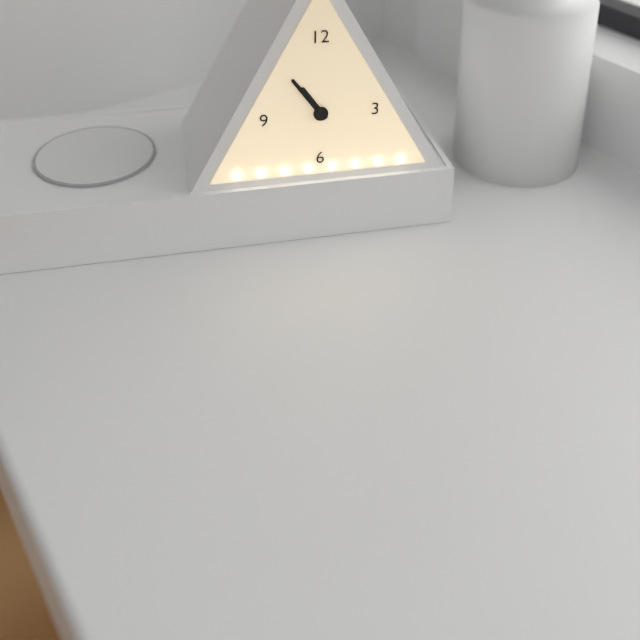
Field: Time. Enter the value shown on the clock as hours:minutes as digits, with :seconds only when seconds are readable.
10:54
